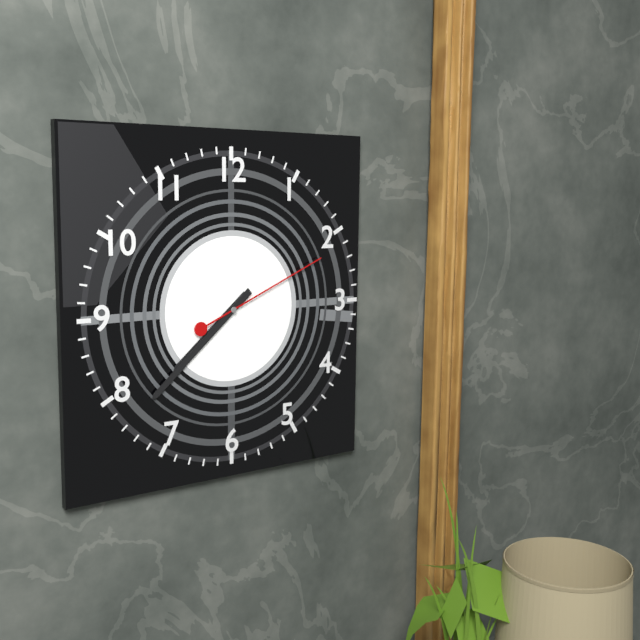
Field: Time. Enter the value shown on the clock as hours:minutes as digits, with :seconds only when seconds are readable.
7:38:11
